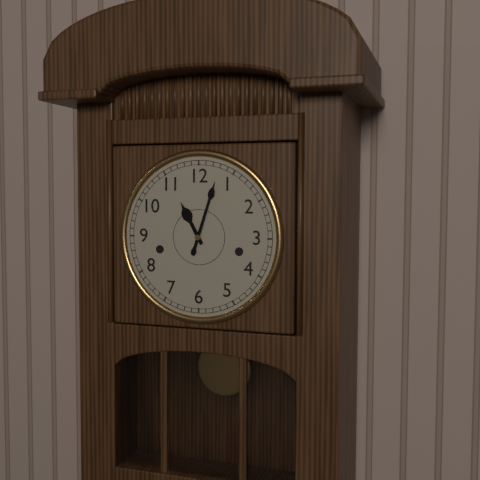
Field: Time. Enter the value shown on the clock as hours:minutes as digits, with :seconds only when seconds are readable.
11:03
